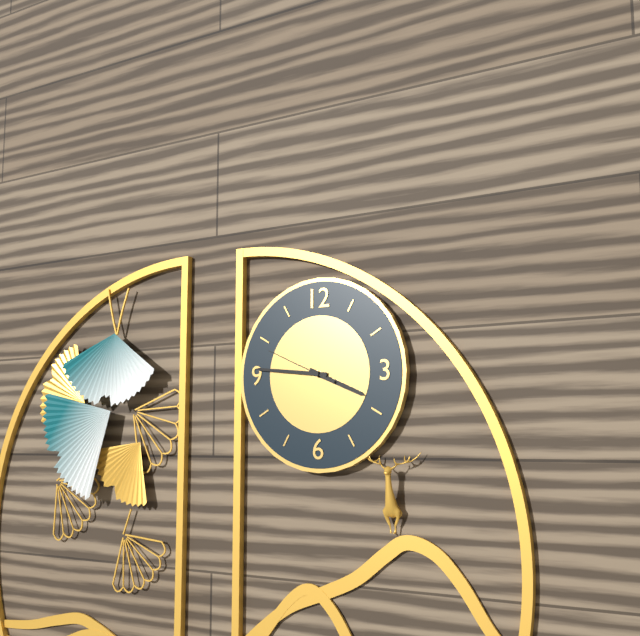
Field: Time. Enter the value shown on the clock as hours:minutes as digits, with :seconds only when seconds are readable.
3:46:49
